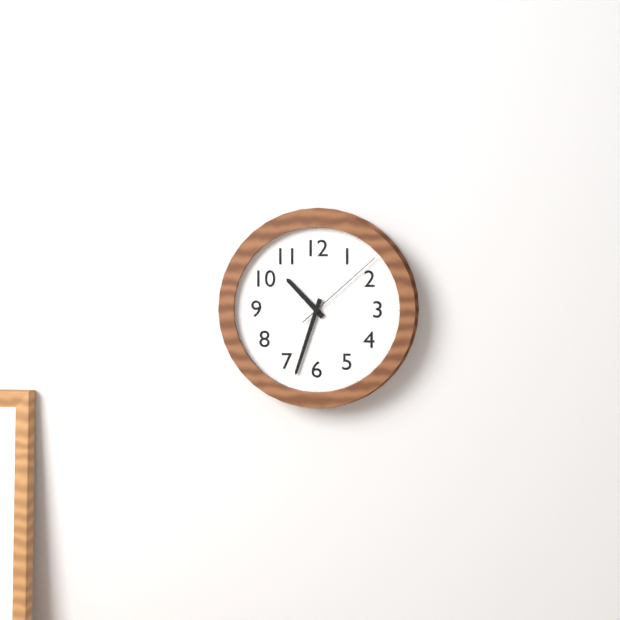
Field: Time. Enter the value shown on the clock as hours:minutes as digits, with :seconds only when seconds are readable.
10:33:08
